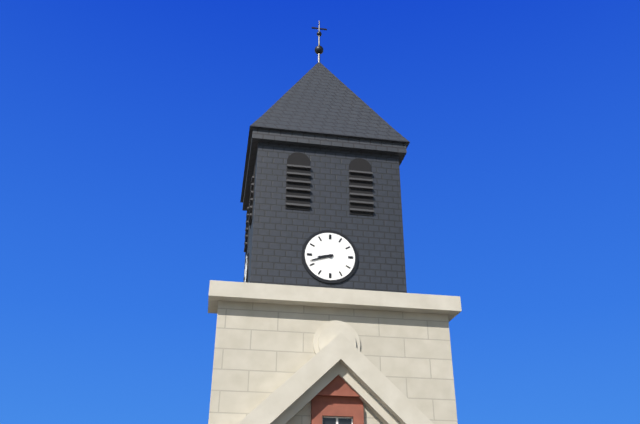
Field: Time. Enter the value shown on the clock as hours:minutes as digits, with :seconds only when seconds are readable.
8:42
